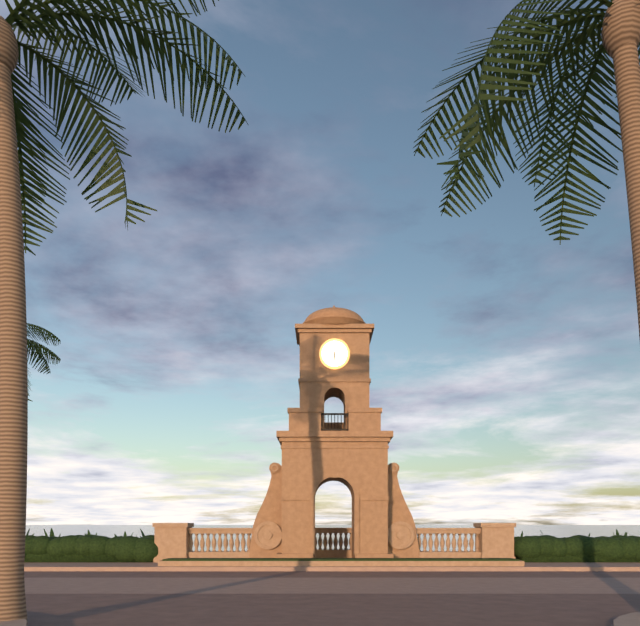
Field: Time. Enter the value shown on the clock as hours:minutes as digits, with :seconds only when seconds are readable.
5:58
